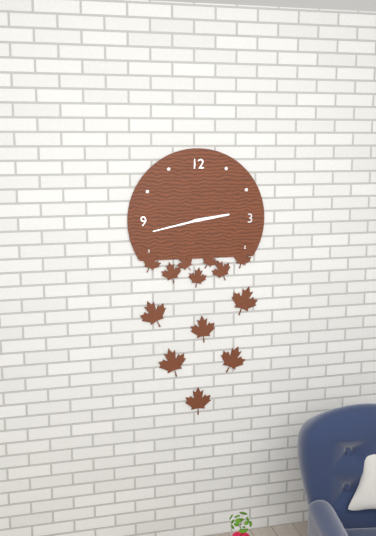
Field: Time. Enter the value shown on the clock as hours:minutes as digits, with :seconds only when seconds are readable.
2:43
